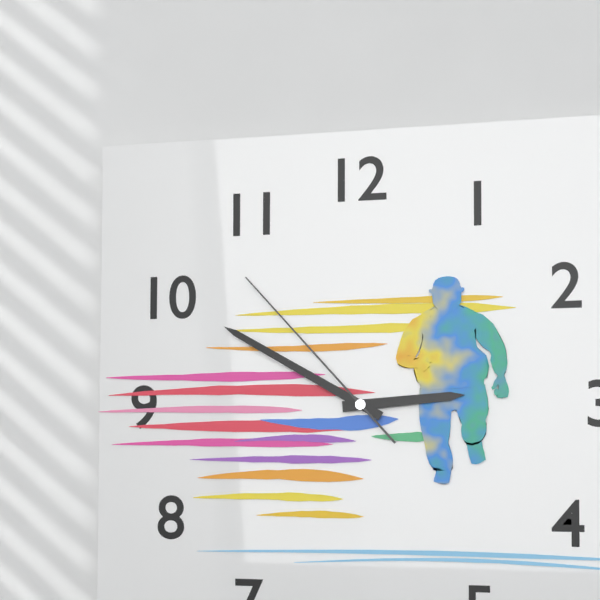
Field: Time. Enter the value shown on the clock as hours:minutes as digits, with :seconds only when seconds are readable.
2:50:53
